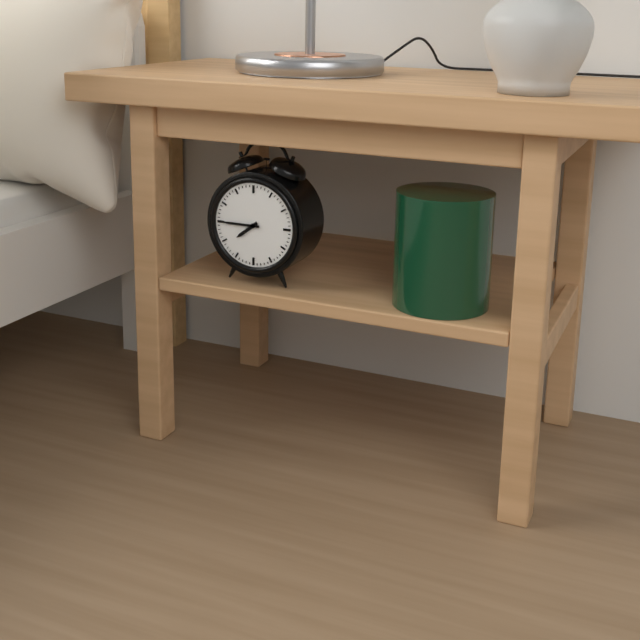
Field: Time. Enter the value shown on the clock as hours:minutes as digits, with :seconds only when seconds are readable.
7:45
